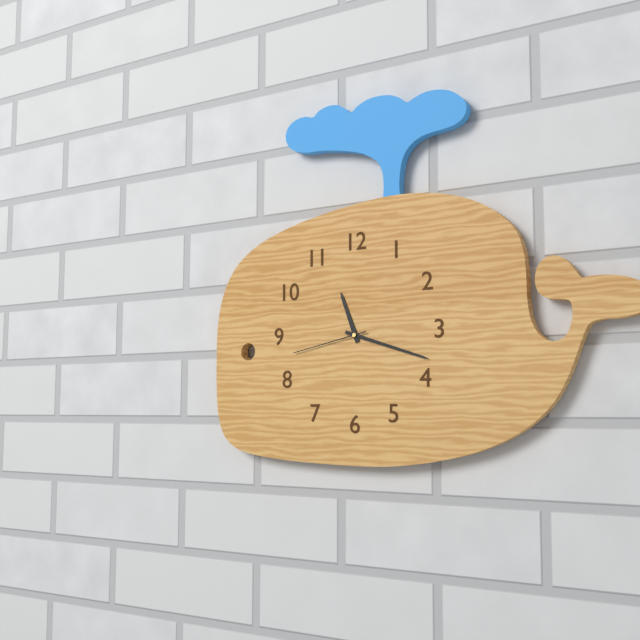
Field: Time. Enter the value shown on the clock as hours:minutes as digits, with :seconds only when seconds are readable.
11:18:43
